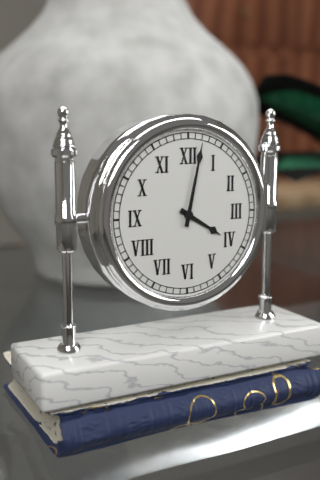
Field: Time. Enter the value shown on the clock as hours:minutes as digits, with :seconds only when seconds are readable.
4:02
